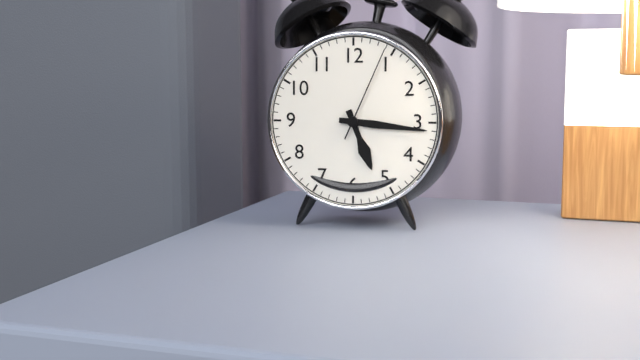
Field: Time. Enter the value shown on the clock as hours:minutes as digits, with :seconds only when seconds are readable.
5:16:04
